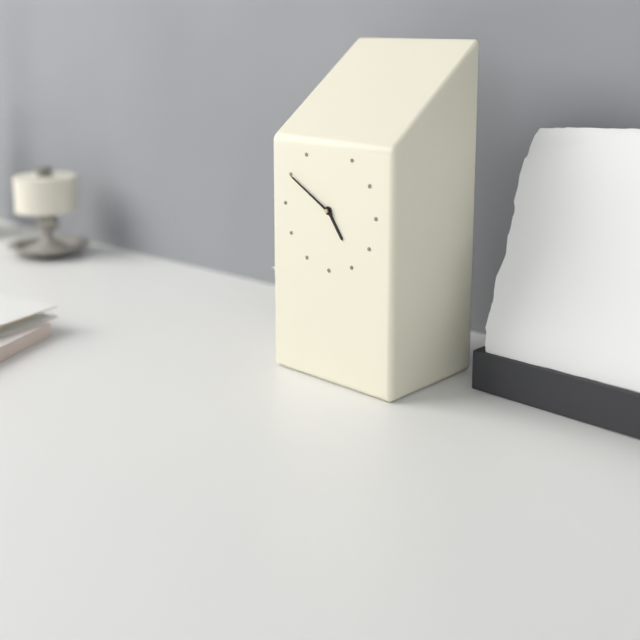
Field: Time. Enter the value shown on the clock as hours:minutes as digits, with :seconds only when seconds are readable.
4:50
